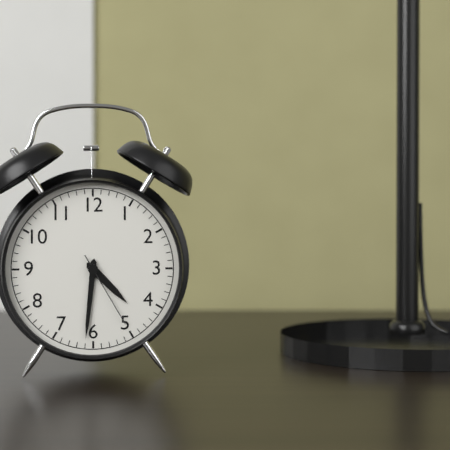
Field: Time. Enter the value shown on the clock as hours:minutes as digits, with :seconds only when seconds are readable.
4:31:25
